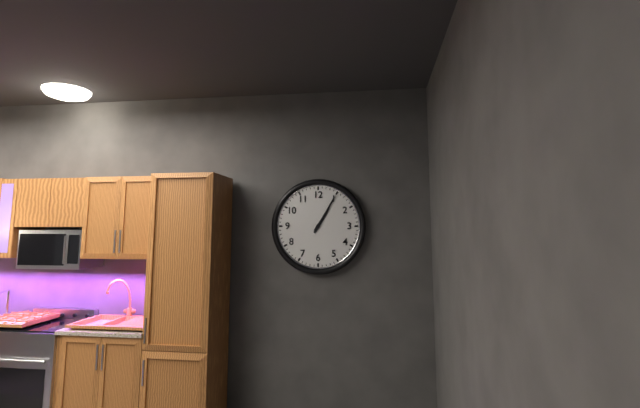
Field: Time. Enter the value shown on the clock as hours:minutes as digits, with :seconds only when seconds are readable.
1:05
